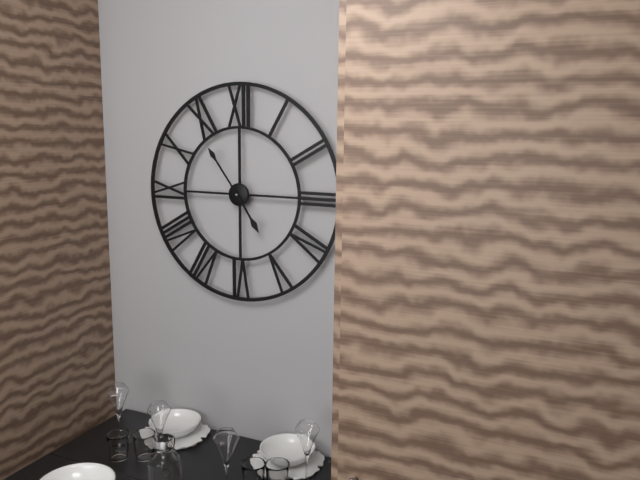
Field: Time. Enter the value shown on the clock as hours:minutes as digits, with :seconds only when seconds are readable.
4:54
